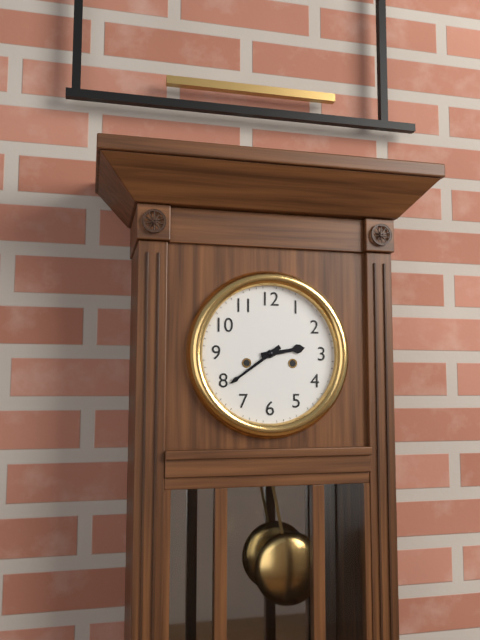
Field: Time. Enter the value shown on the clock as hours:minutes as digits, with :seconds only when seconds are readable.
2:39
